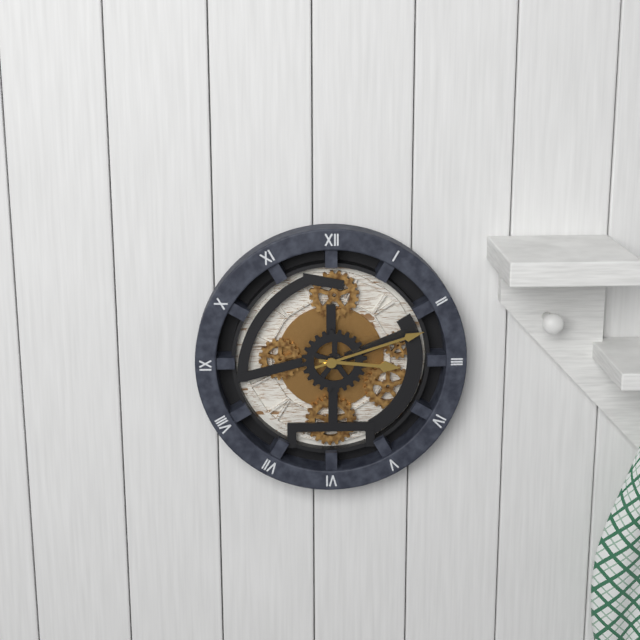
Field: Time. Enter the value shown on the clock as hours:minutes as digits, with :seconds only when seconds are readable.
3:12
